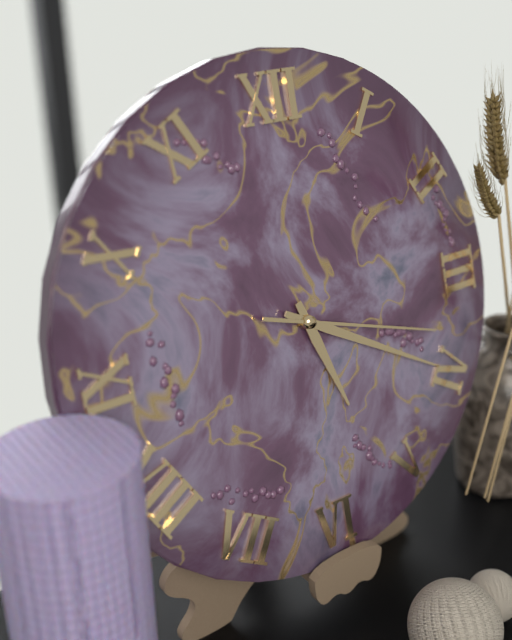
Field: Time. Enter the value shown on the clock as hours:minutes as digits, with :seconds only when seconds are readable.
5:20:18
